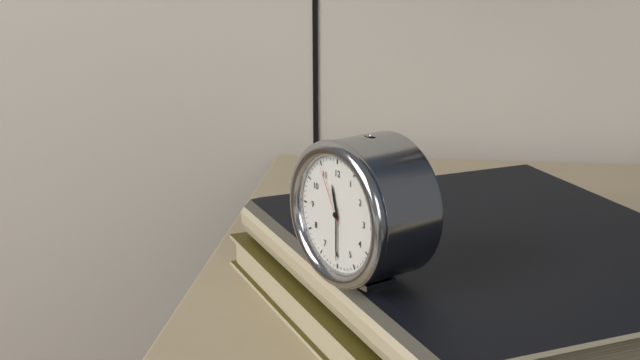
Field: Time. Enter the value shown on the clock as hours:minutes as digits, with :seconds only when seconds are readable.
11:30:55
